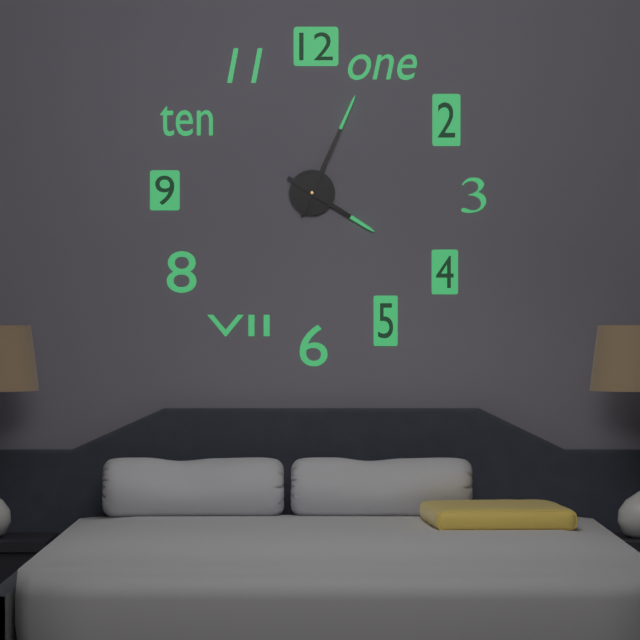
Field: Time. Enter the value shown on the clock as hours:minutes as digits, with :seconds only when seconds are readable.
4:04
